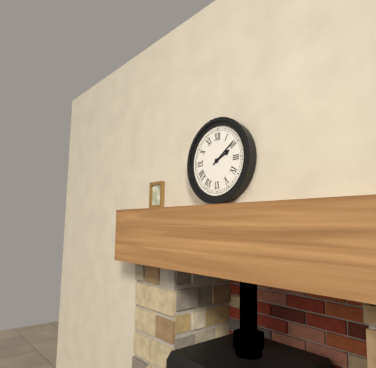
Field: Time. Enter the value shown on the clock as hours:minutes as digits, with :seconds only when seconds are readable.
2:09
